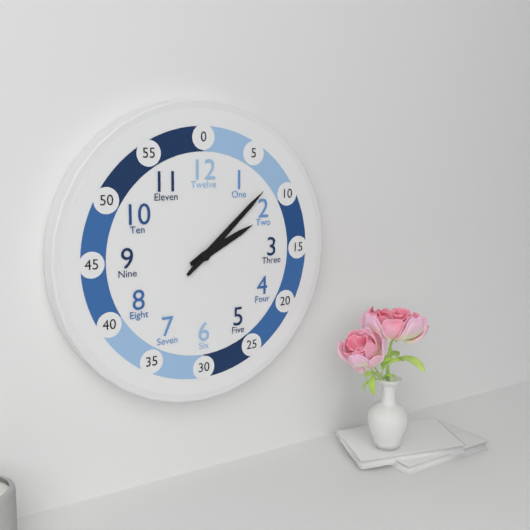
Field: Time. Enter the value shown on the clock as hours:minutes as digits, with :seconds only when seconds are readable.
2:08
